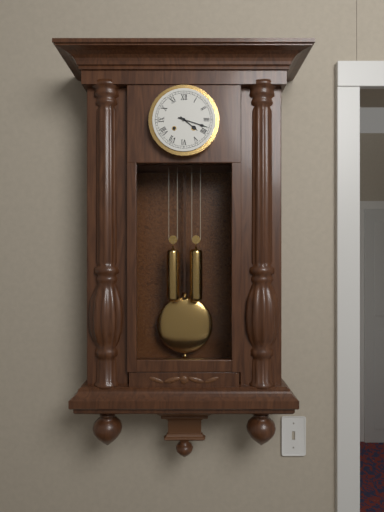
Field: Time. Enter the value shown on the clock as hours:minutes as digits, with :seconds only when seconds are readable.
4:18
